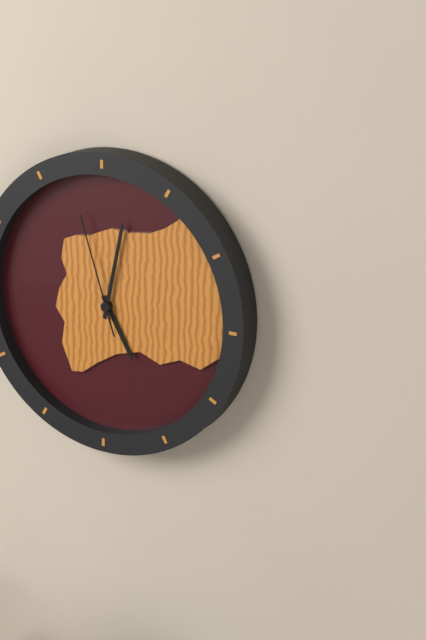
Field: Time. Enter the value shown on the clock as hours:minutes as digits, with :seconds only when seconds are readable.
5:02:57
